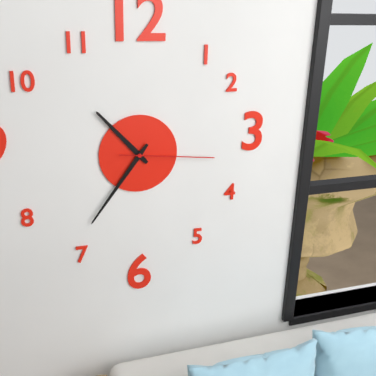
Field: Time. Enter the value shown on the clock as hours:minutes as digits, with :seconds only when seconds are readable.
10:36:16
